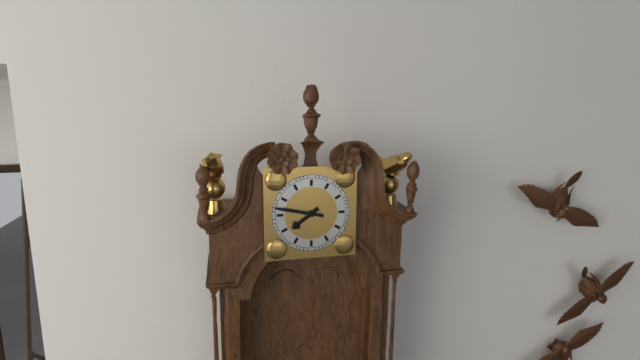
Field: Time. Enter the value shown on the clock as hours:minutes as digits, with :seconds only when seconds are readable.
7:47
